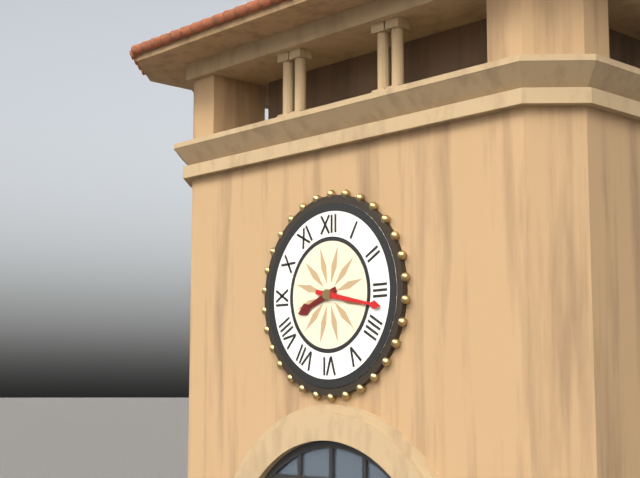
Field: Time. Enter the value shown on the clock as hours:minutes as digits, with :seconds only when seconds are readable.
8:17
